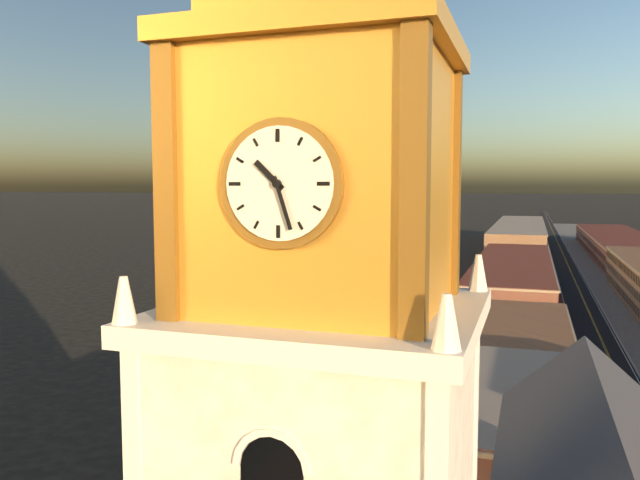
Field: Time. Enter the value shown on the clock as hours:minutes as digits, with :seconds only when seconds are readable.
10:27
